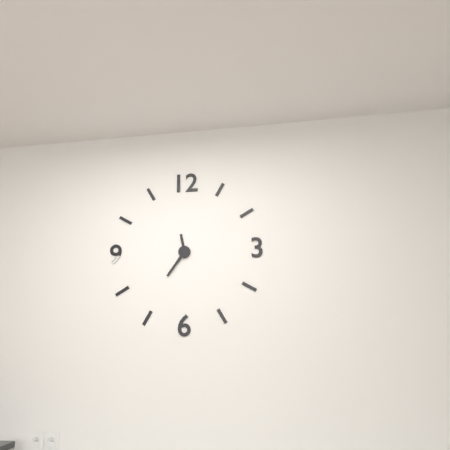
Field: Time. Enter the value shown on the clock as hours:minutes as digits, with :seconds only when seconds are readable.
11:36
